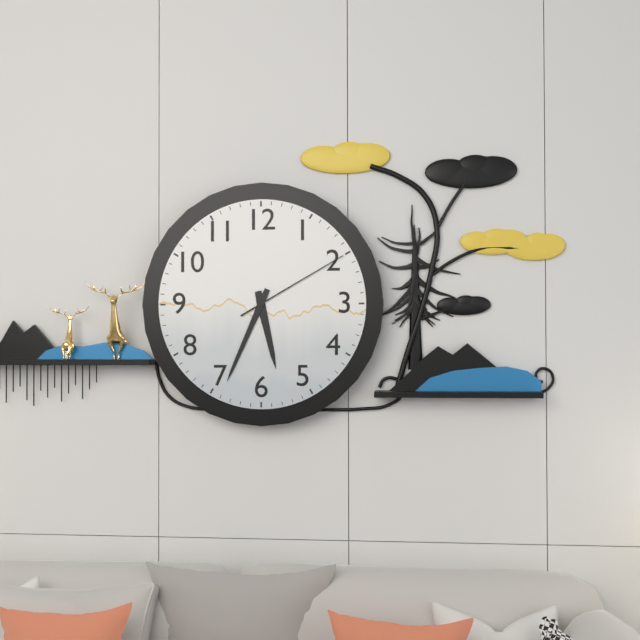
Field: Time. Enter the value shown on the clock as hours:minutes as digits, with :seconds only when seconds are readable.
5:34:10
